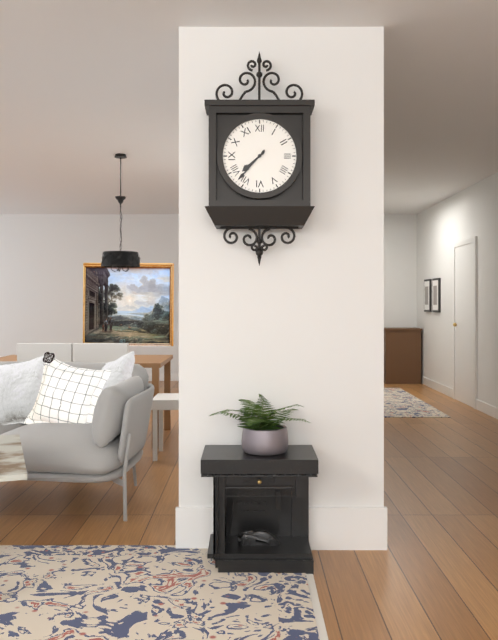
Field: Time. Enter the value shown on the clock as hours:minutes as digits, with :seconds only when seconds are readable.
7:37
